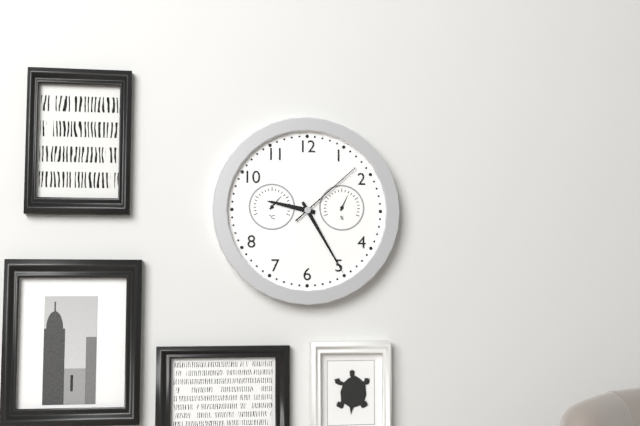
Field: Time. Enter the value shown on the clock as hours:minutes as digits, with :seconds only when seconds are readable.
9:25:08
